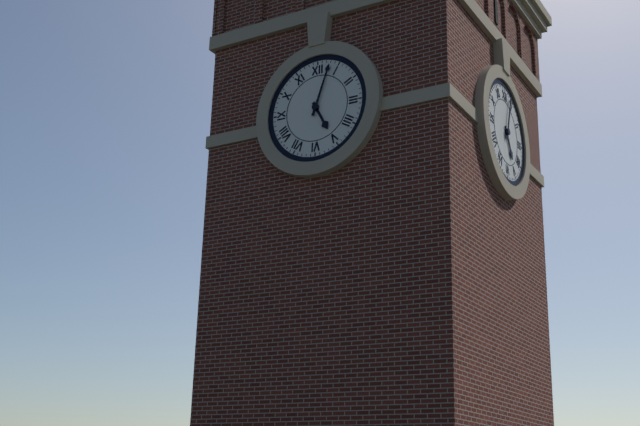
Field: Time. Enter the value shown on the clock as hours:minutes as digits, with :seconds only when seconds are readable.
5:03
